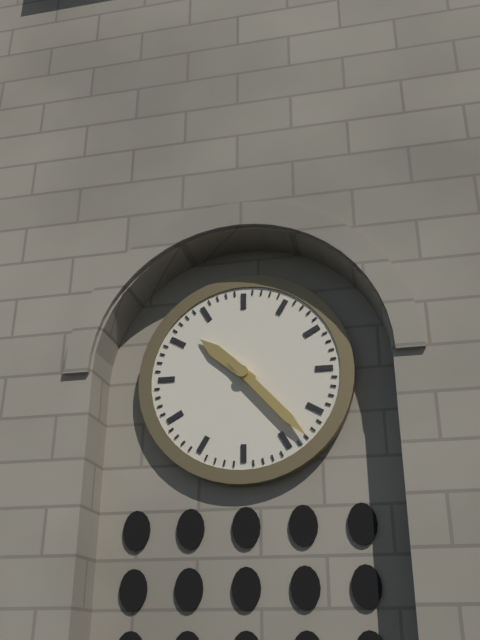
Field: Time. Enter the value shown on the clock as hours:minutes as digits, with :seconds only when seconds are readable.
10:23
